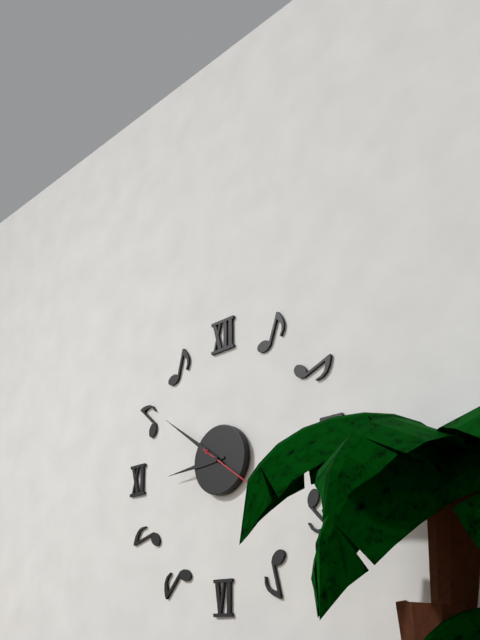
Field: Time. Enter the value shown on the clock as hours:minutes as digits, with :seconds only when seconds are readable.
8:51:21
